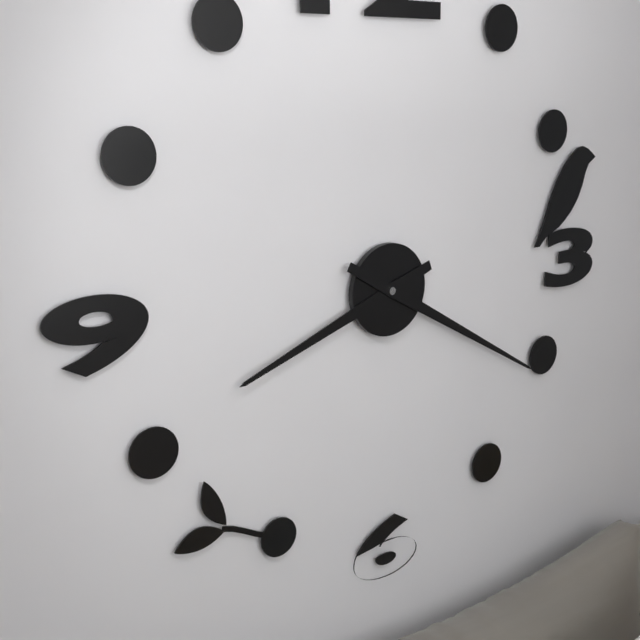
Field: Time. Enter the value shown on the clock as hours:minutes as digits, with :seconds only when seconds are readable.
8:20
